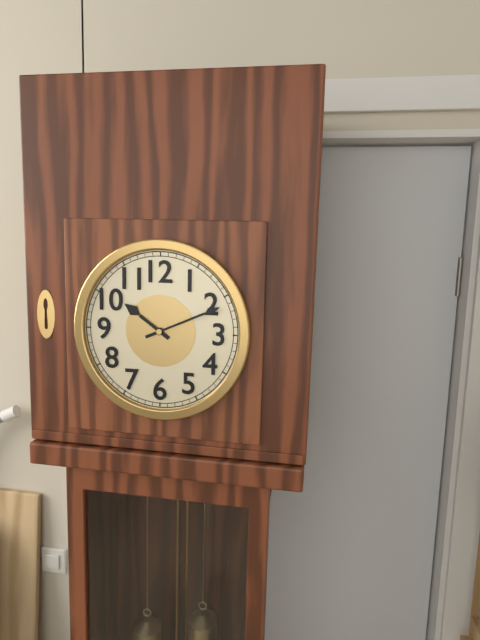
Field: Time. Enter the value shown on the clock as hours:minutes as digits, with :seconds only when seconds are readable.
10:11
